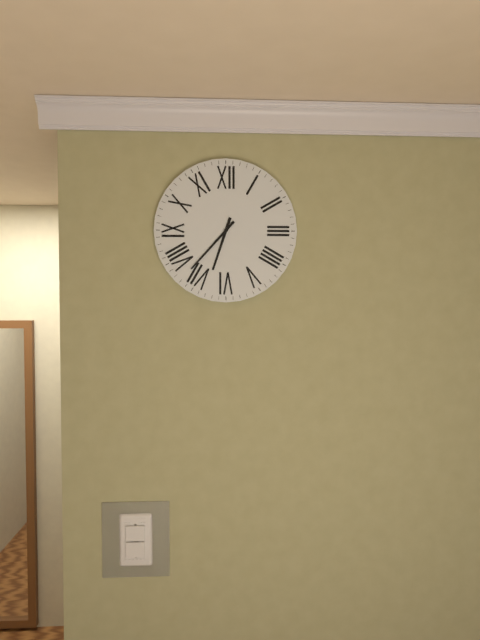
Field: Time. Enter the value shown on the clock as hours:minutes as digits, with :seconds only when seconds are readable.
6:37
